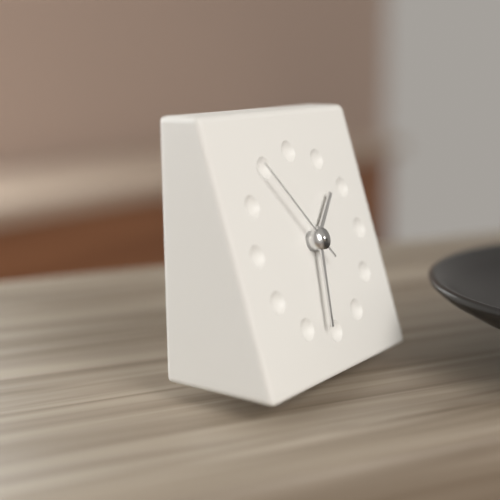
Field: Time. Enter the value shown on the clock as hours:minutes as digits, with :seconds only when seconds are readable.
1:32:54
